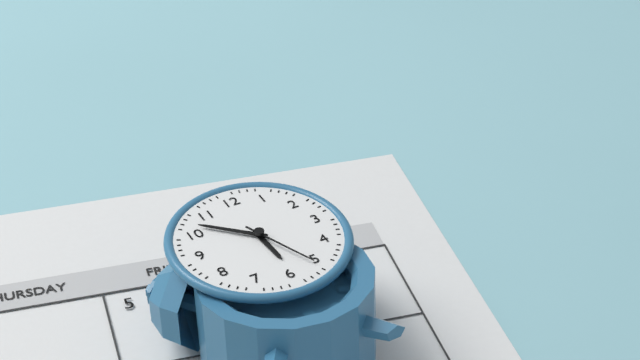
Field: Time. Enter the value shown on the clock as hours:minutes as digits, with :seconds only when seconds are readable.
5:52:26
